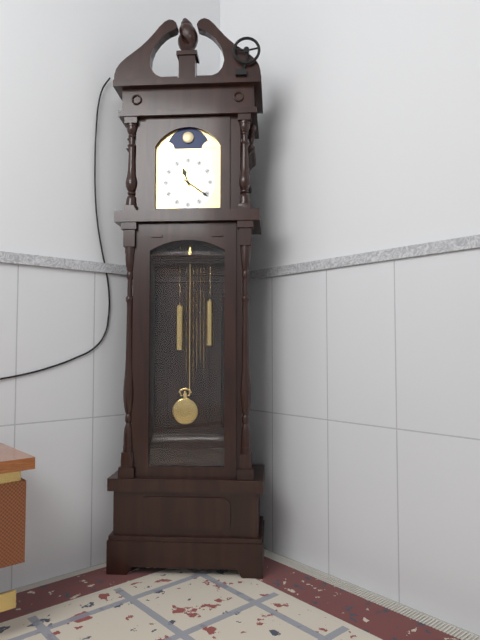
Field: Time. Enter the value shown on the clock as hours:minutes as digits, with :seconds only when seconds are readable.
11:21
